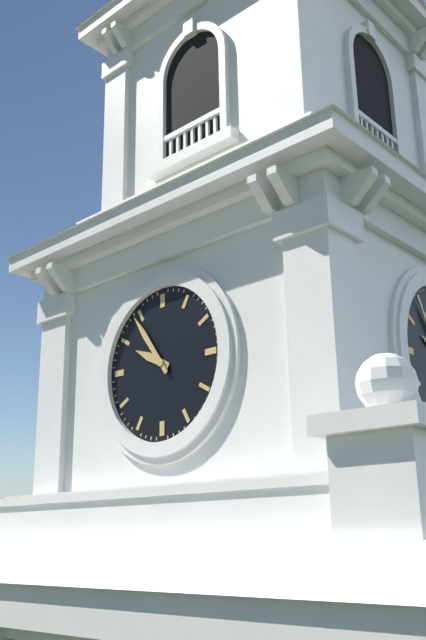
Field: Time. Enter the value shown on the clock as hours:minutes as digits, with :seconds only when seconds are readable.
9:54
